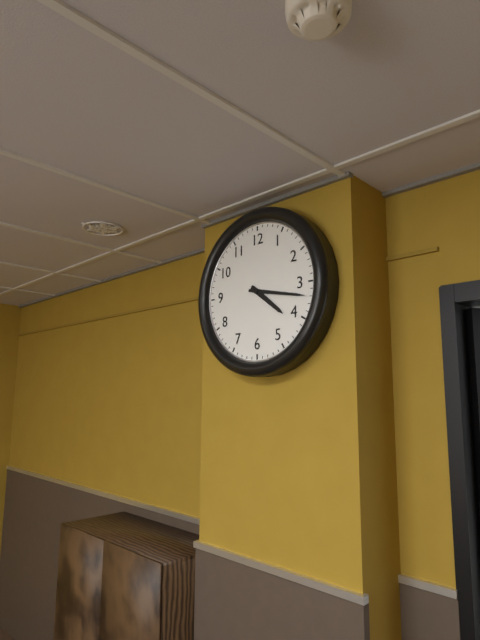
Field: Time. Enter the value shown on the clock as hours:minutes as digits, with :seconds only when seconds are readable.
4:17
